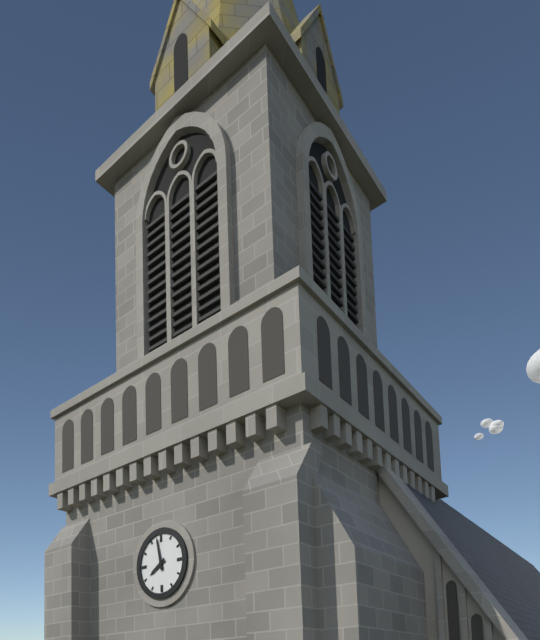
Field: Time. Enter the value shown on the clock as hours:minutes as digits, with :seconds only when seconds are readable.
7:58
